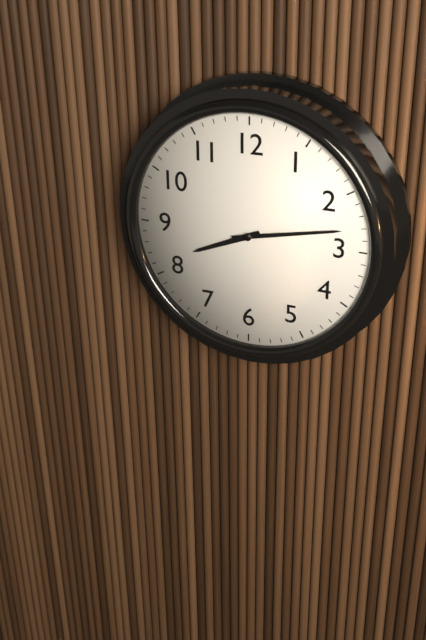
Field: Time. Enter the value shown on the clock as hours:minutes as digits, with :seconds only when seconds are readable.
8:13
